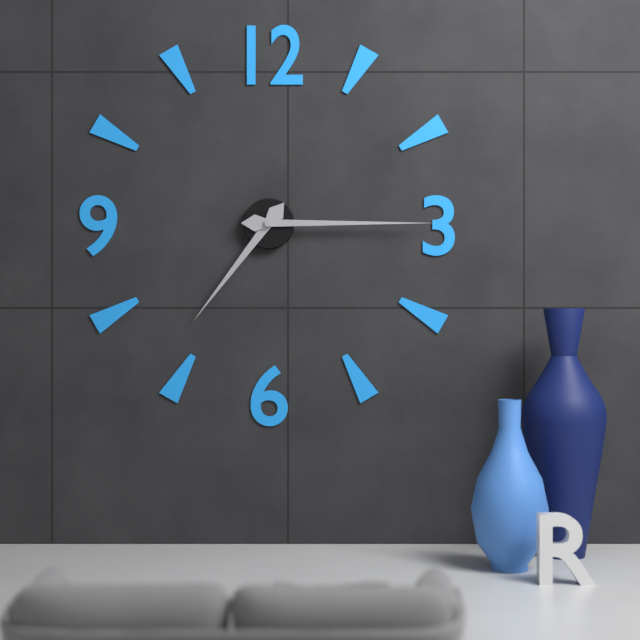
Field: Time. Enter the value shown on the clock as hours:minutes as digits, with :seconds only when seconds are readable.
7:15
